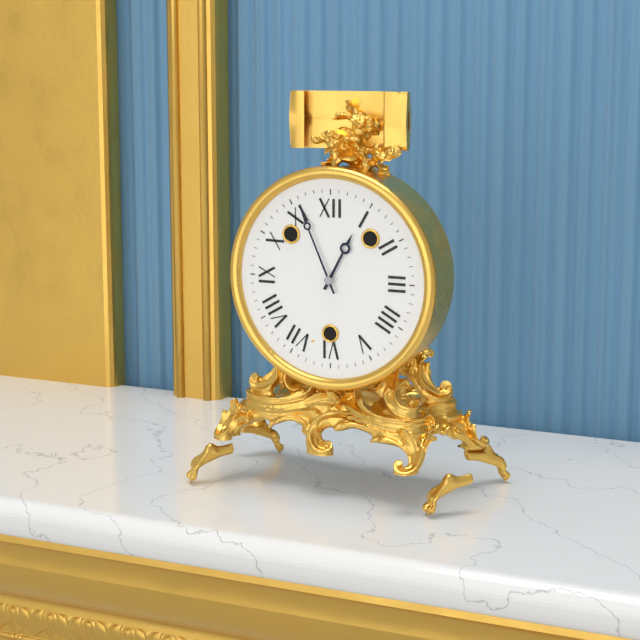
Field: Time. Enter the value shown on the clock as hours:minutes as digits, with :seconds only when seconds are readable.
12:56
